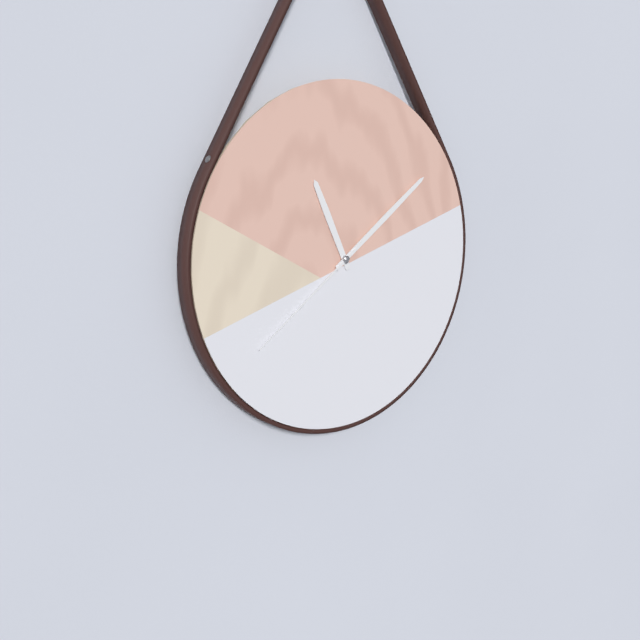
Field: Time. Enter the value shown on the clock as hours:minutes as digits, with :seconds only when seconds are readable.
11:09:39
